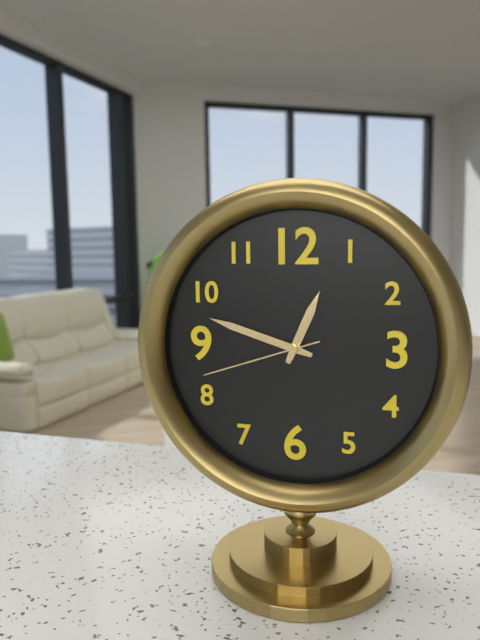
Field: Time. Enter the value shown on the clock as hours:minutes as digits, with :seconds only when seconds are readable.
12:48:42
